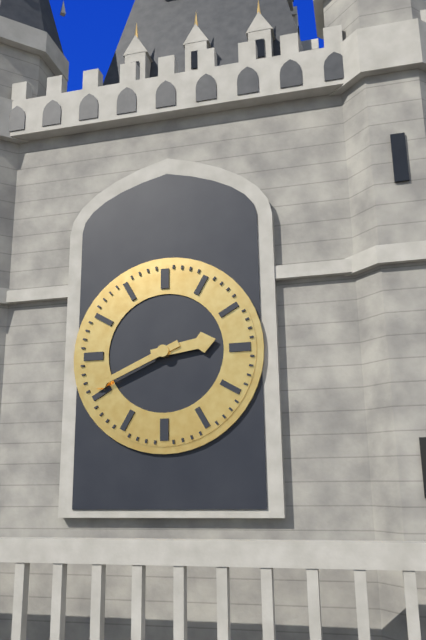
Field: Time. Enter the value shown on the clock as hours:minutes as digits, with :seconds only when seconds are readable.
2:41
